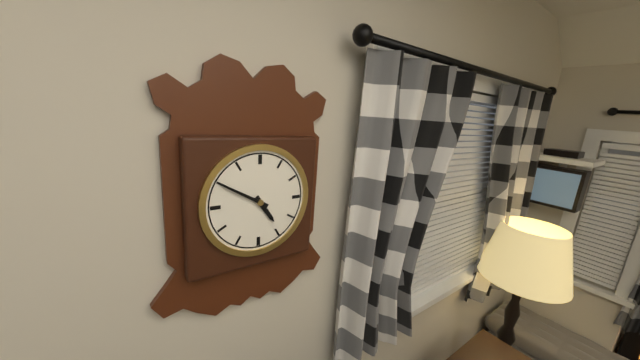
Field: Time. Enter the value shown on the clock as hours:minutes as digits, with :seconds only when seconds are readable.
4:50
